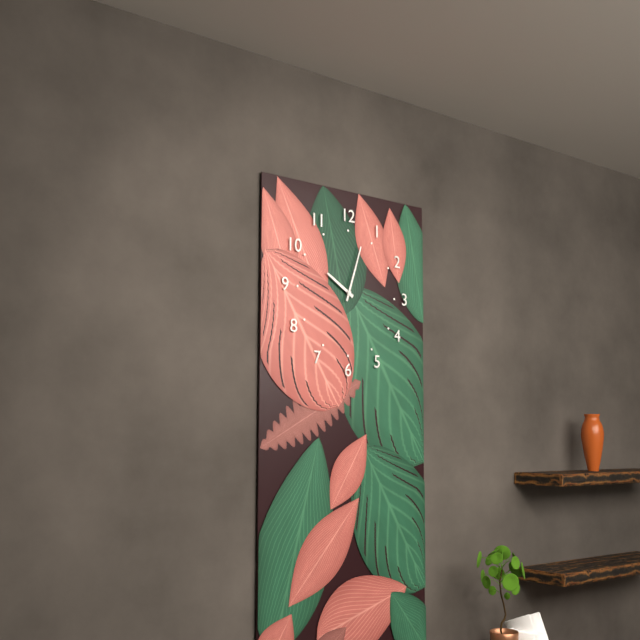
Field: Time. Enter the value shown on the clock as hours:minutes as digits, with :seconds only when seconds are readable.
10:03
